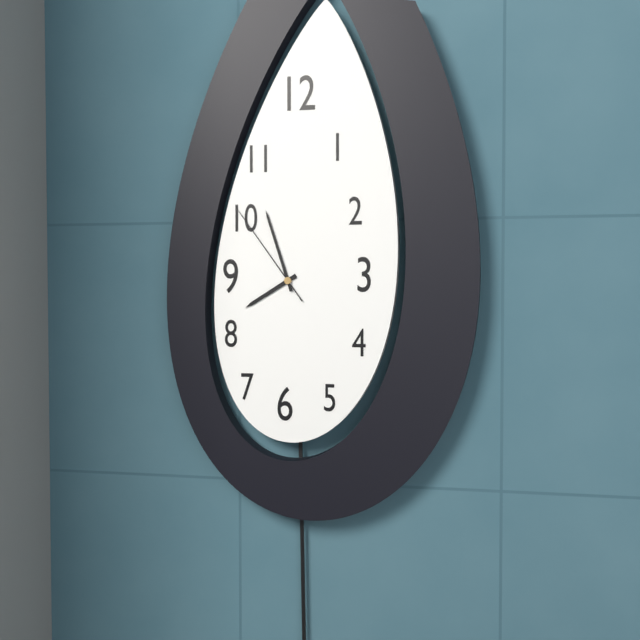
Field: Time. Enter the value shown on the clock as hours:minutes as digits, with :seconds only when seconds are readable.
7:57:54
